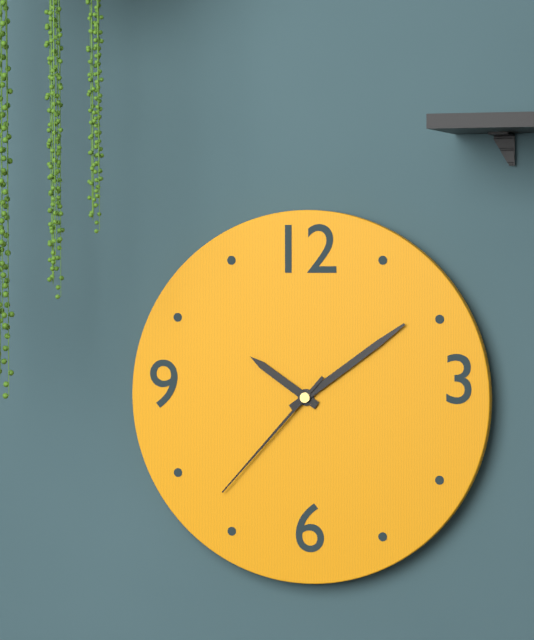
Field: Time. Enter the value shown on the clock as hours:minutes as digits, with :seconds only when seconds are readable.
10:09:37
